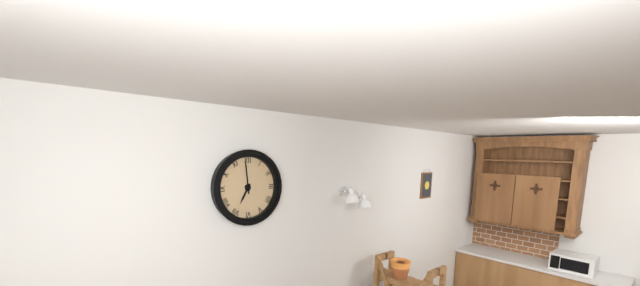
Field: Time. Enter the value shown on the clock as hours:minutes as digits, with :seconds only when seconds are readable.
6:59
